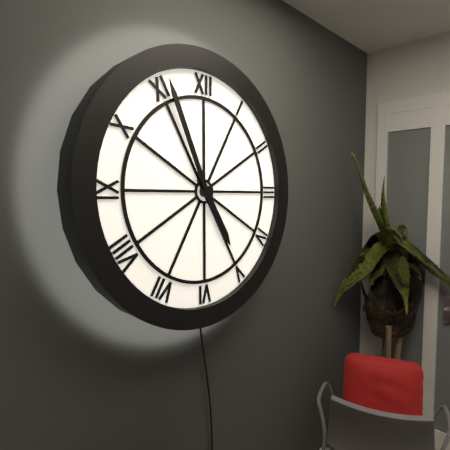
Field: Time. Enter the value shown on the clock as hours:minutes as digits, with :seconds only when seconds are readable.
4:56
